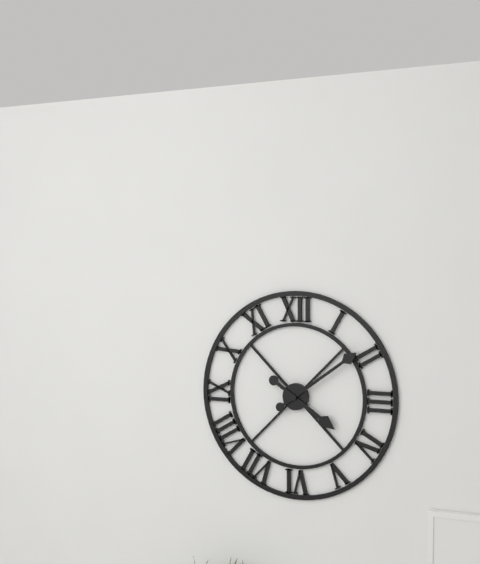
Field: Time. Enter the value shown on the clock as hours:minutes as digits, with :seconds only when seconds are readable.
4:09
